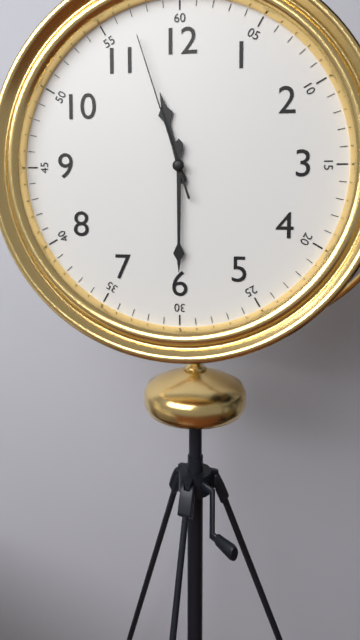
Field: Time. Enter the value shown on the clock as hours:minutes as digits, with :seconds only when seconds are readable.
11:30:57
